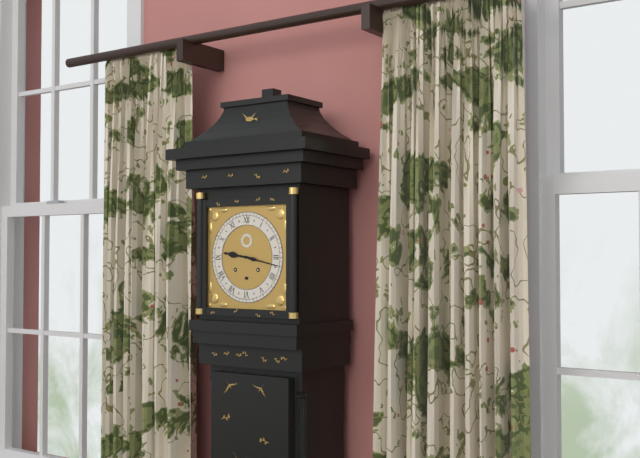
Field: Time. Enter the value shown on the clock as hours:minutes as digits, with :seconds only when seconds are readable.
9:17
